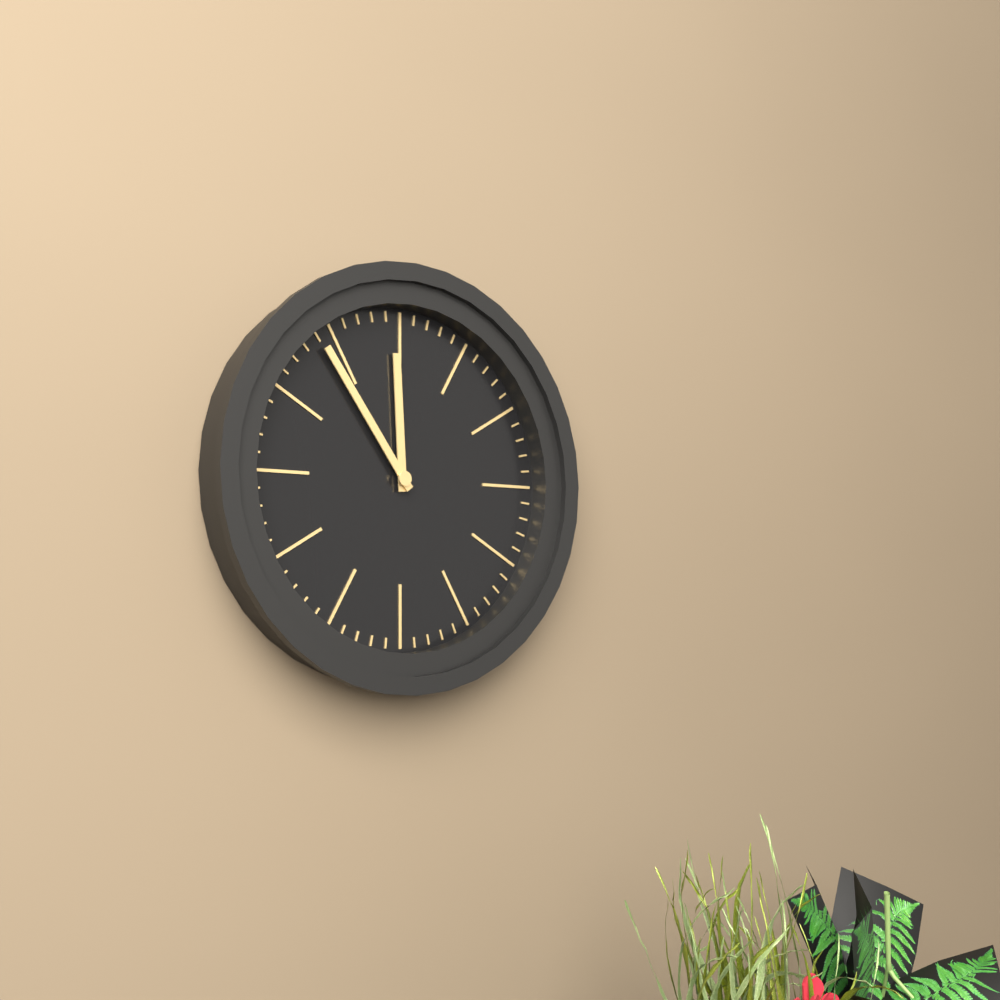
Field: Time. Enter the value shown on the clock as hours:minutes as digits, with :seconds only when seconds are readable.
11:54
